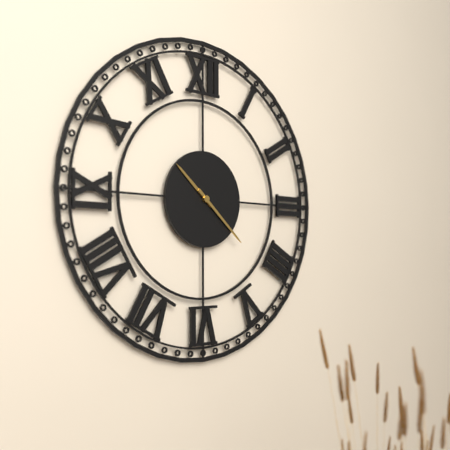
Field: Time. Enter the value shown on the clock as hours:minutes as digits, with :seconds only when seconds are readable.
10:22
